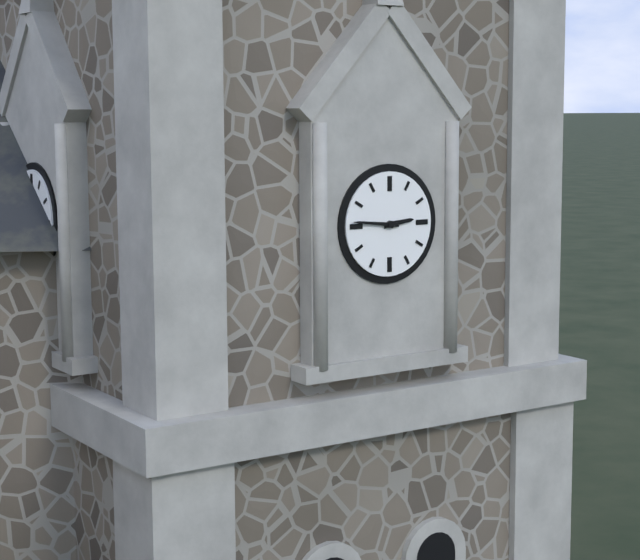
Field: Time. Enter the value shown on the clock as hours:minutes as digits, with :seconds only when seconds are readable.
2:46
